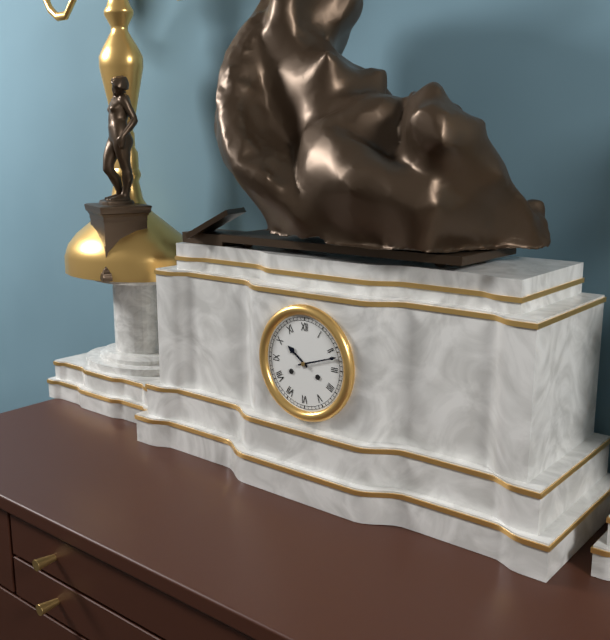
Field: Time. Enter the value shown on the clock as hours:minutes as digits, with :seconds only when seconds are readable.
10:12
